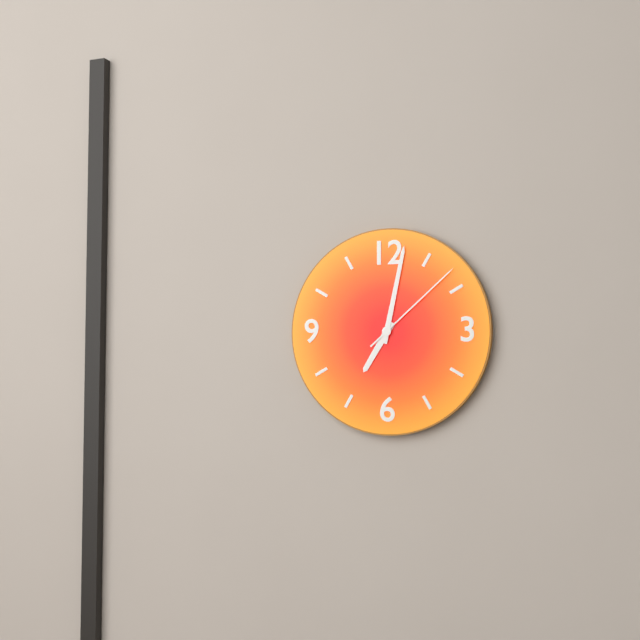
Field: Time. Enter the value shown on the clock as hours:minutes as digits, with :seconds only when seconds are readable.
7:02:08
